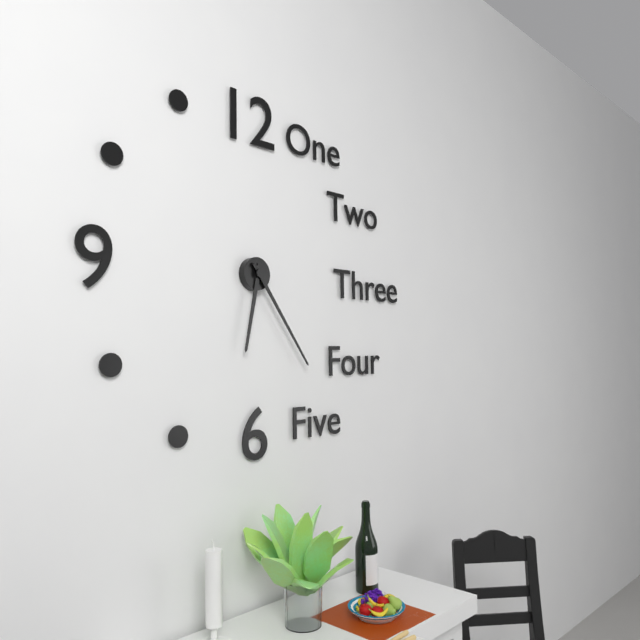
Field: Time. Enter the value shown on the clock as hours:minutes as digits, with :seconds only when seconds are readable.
6:24
